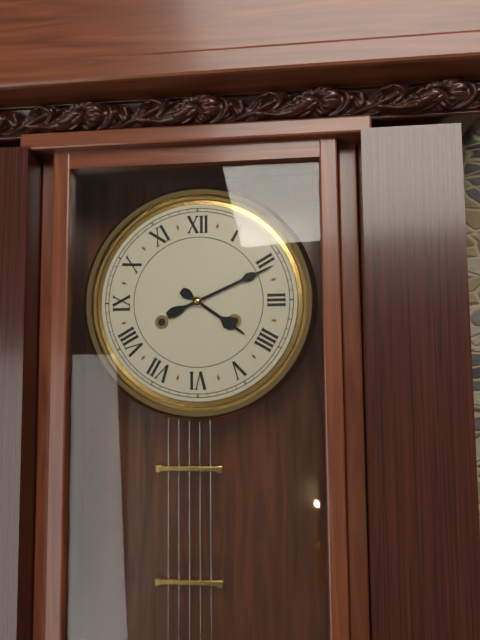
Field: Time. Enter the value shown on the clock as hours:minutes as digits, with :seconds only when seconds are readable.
4:11
